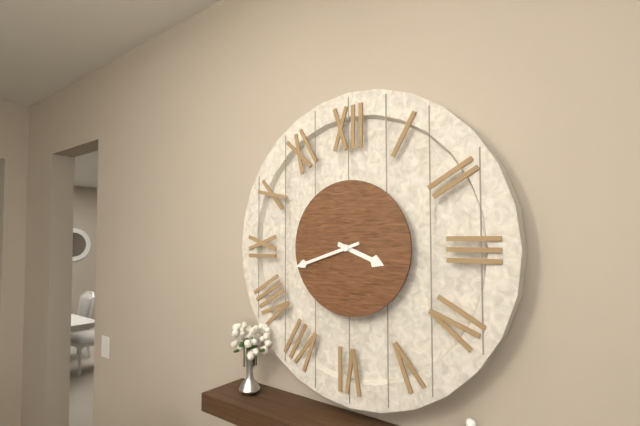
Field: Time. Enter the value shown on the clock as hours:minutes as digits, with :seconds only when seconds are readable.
3:42
